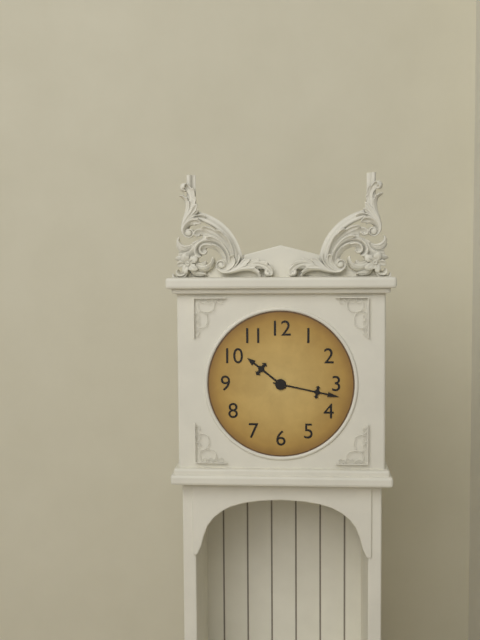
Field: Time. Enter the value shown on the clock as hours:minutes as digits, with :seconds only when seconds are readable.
10:17
